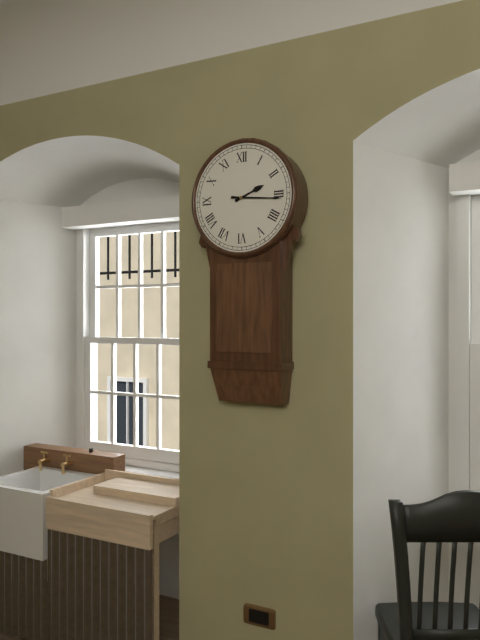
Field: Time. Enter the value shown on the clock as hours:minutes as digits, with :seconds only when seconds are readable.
2:16
